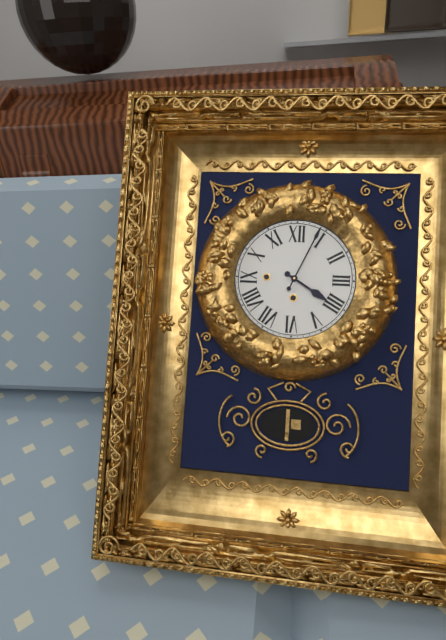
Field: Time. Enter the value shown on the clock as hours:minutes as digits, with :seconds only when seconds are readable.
4:04
